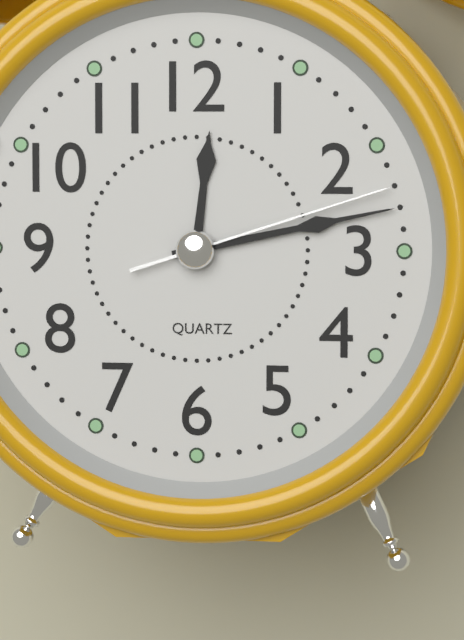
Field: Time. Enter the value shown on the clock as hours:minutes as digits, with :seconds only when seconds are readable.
12:13:12
